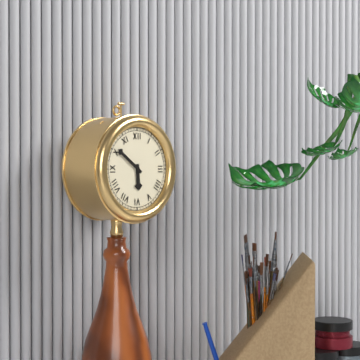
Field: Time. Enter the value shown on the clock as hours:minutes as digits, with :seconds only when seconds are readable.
5:51
